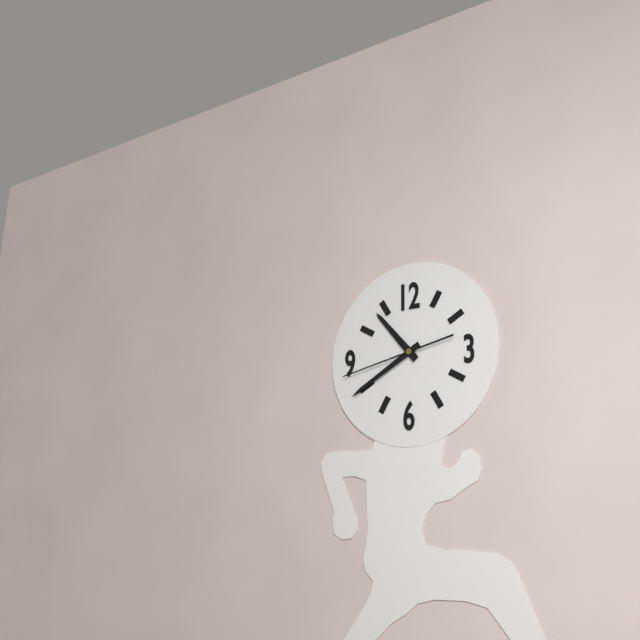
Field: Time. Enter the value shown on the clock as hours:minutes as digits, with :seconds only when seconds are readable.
10:40:43
